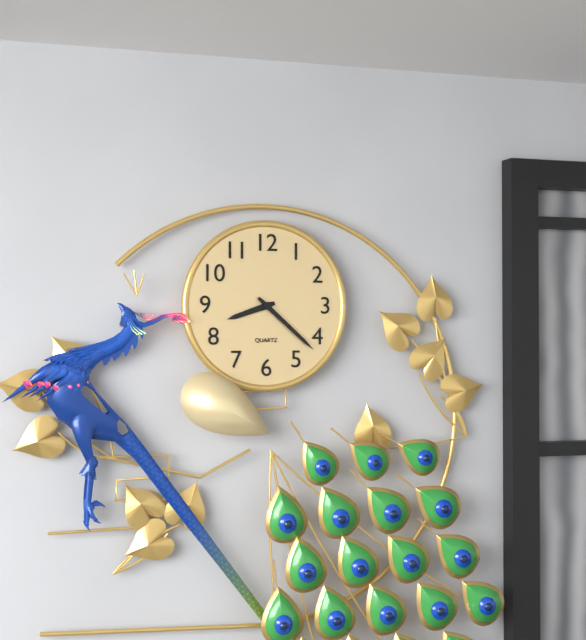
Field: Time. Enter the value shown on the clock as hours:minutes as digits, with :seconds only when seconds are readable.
8:22
